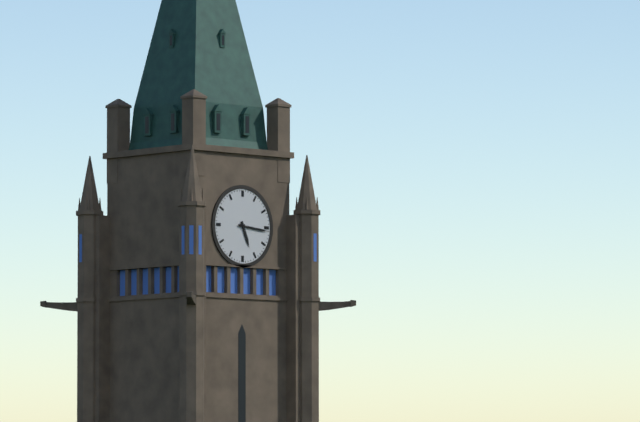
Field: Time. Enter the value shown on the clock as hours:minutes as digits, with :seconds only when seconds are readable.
5:16
